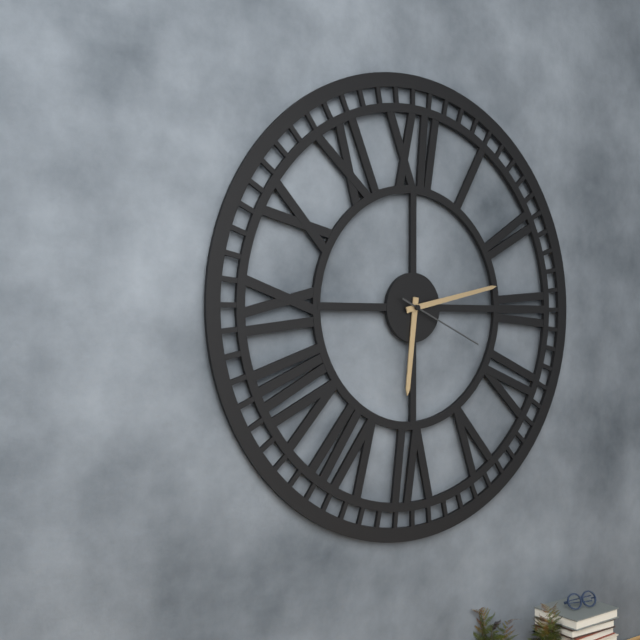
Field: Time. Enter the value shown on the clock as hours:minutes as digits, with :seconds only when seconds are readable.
6:13:19
